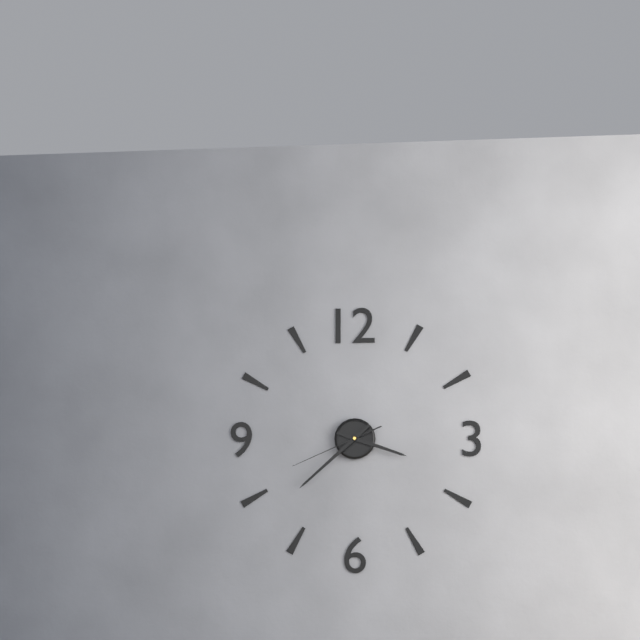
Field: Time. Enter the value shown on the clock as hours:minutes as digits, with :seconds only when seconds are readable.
3:38:41
